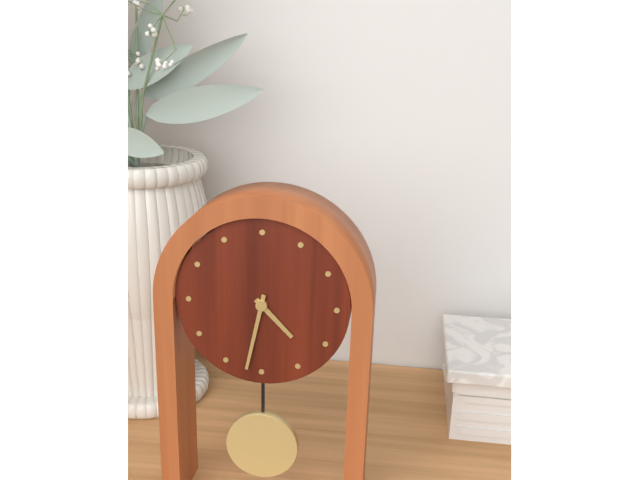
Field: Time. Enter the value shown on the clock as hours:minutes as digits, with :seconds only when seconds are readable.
4:32
